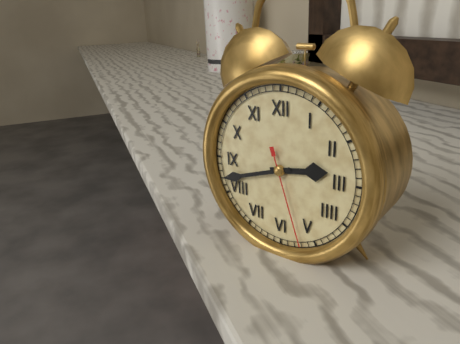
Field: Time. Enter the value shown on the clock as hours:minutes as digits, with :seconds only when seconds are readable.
2:42:27
